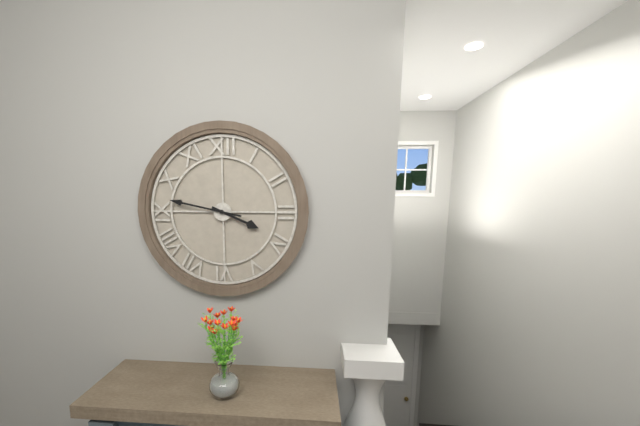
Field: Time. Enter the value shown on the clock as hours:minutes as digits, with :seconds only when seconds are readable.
3:47
